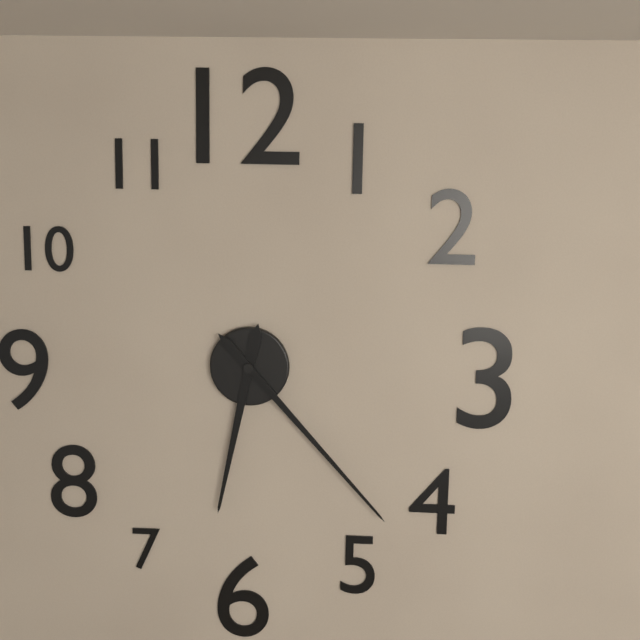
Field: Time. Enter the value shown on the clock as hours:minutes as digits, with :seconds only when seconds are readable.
6:23
